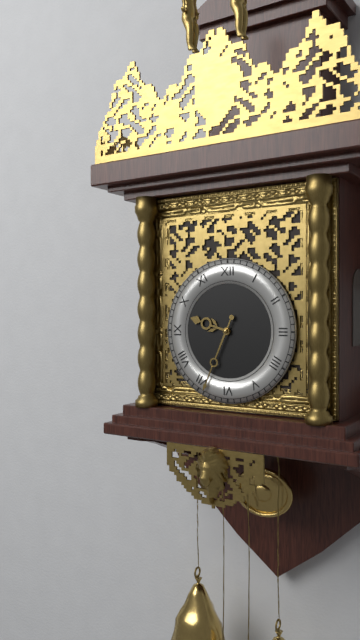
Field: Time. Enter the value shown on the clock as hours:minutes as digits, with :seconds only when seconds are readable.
9:34
